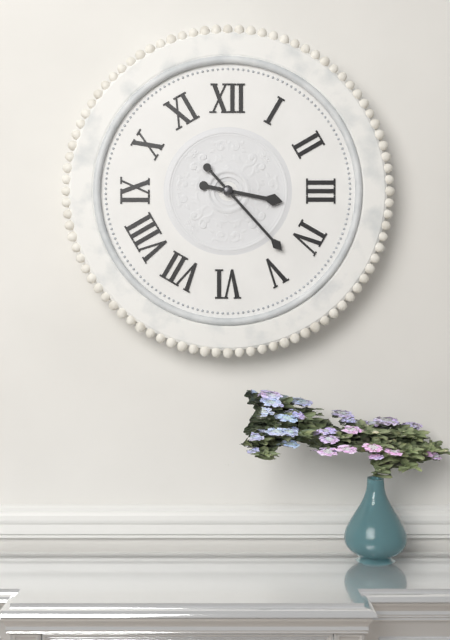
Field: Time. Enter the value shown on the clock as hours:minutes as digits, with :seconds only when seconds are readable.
3:23
